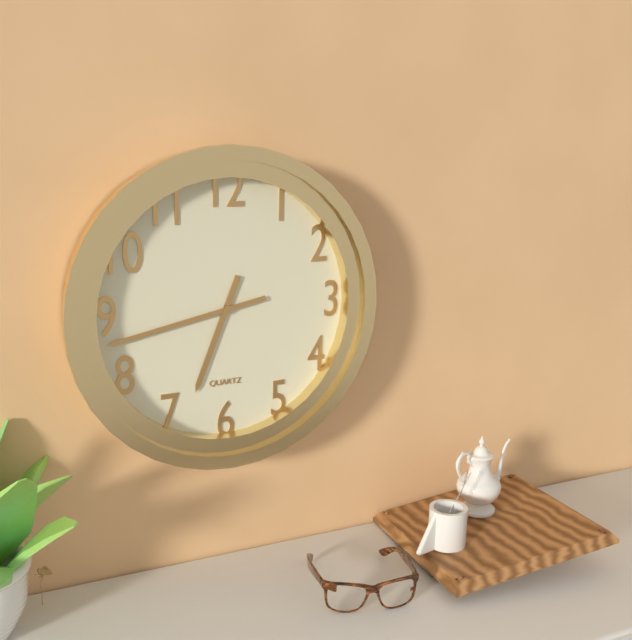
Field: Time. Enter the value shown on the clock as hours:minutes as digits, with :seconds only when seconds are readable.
6:43
